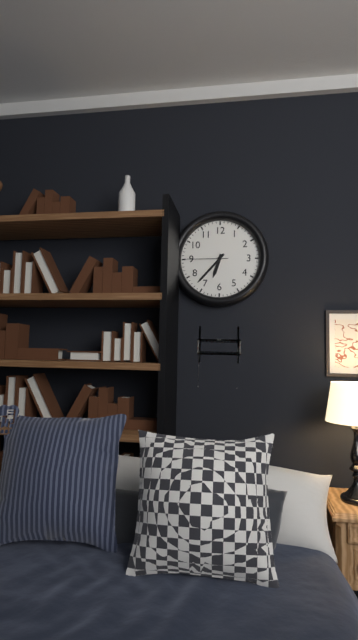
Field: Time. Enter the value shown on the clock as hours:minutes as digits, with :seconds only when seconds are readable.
6:37
